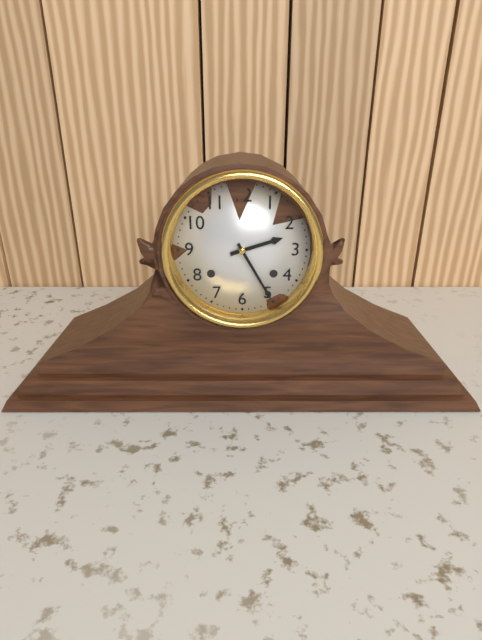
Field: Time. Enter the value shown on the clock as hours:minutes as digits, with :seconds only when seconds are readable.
2:25
